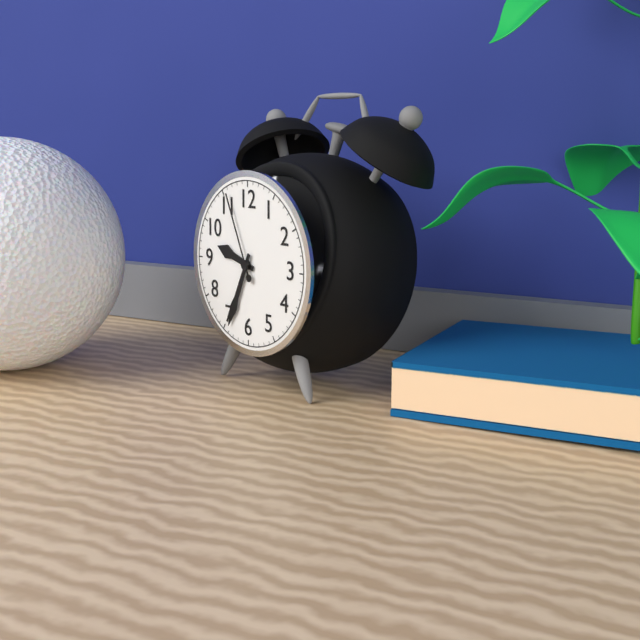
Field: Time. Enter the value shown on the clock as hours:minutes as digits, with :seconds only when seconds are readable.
9:34:56
